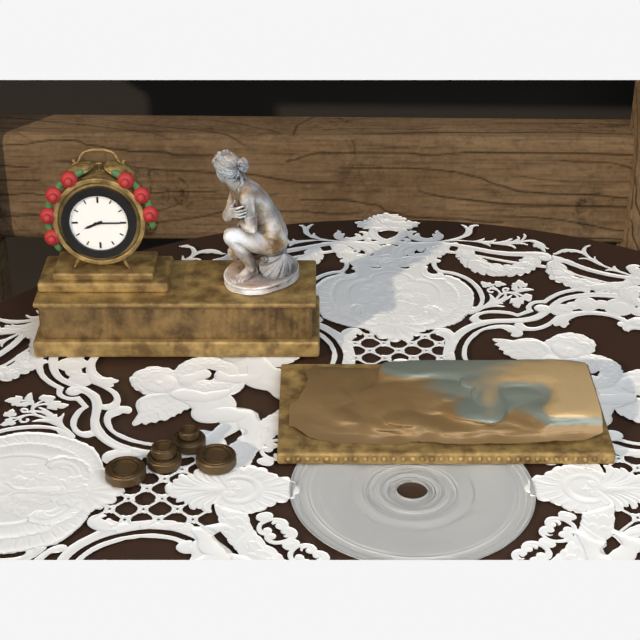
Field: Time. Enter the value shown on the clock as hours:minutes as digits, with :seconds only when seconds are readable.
8:15
